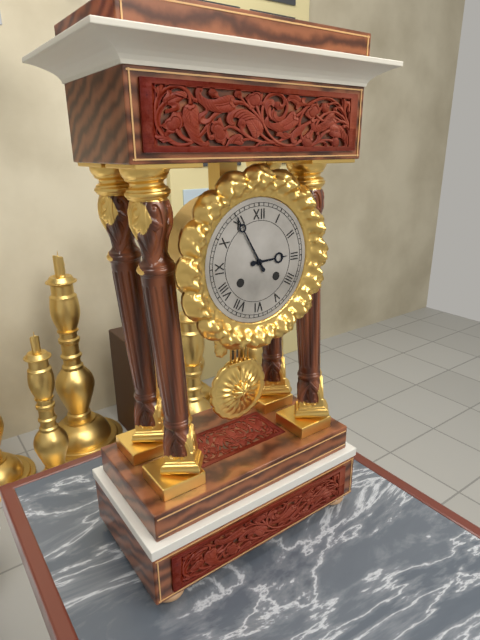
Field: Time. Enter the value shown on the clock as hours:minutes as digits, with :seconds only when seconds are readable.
2:55
